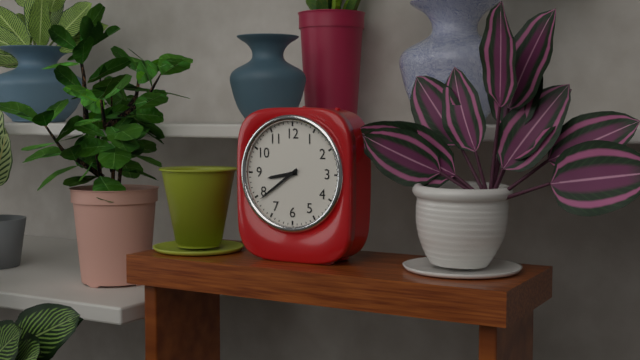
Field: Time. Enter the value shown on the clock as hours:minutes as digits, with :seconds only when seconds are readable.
8:39
